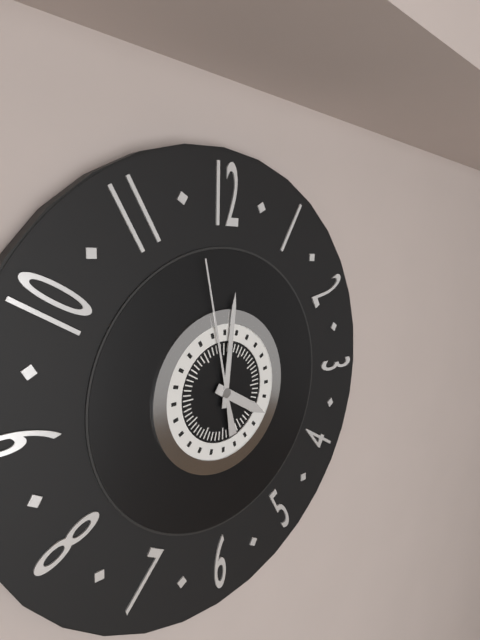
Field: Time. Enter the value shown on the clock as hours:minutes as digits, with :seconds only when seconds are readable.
4:01:58
